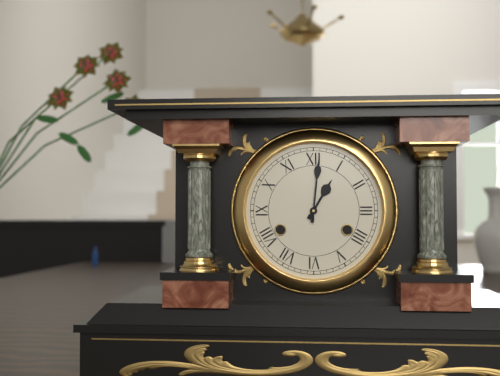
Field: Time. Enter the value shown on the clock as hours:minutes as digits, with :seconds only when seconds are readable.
1:01
